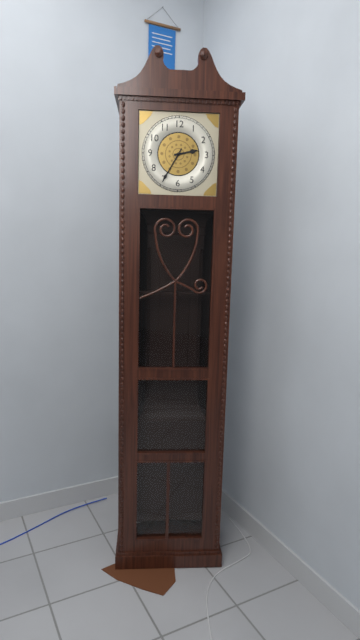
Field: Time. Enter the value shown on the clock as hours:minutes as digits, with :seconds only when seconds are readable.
2:35
